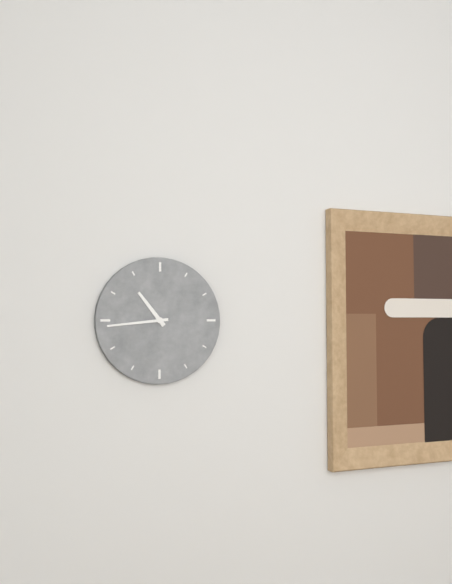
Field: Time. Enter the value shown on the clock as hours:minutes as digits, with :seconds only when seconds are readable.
10:44
